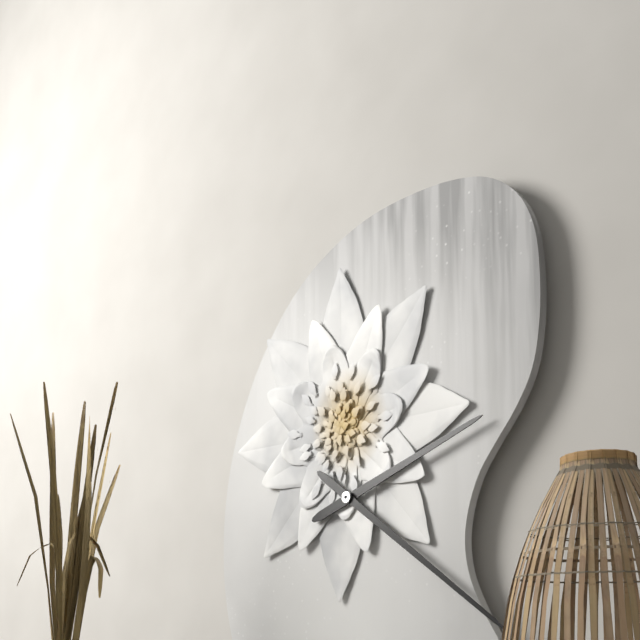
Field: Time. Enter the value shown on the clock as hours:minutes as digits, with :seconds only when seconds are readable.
2:21
